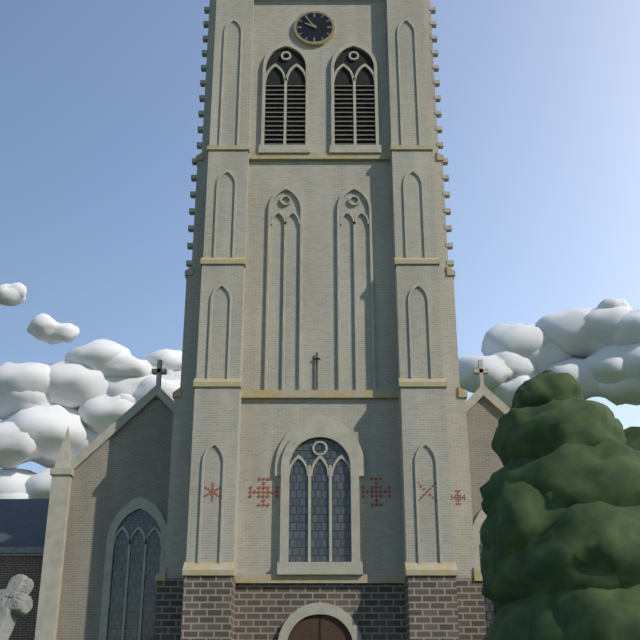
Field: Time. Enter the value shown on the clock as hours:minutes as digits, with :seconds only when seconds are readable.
9:54
